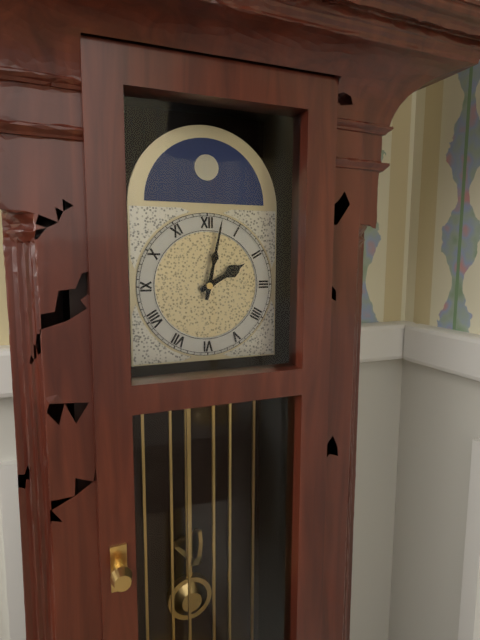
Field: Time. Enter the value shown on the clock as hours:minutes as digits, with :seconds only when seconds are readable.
2:02
